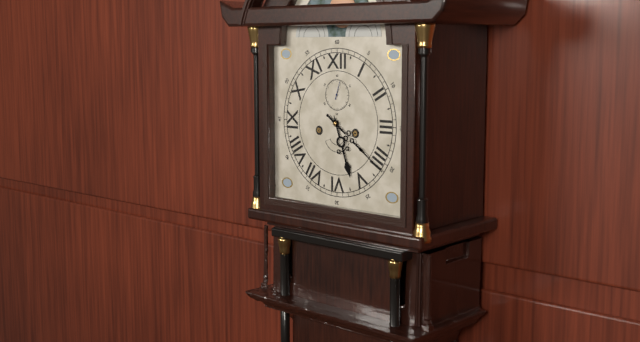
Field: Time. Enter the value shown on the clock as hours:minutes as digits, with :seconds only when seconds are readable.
5:21
